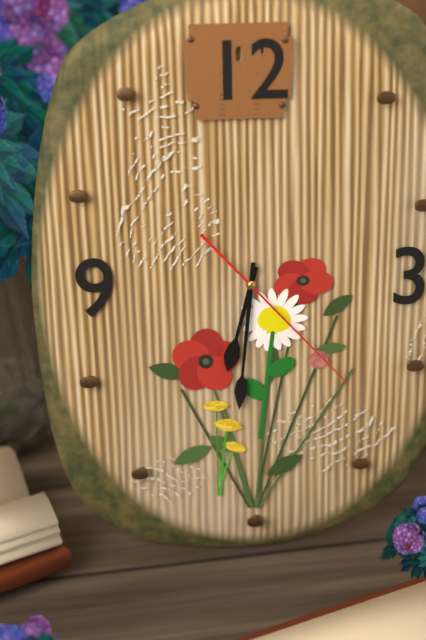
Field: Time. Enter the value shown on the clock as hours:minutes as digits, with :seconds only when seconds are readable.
6:31:23
